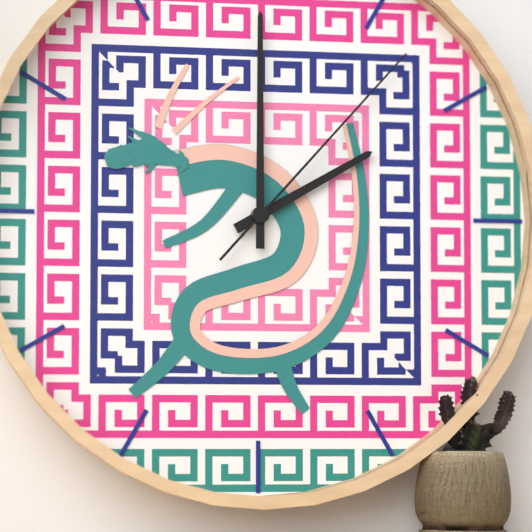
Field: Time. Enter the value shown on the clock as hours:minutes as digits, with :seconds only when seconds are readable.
2:00:07
